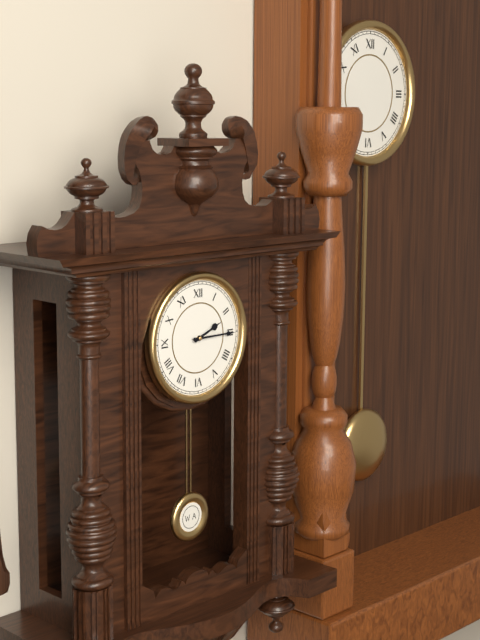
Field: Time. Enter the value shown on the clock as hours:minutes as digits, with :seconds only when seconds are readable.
2:15
